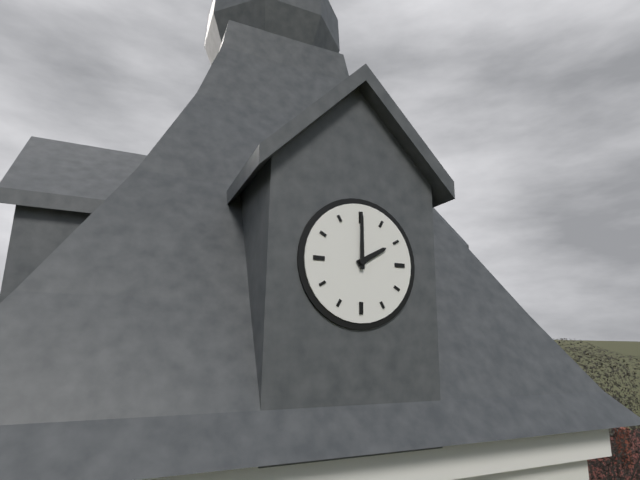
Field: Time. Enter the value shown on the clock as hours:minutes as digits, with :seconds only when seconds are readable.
2:00
